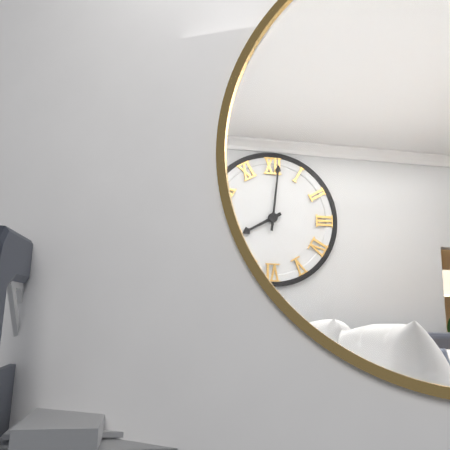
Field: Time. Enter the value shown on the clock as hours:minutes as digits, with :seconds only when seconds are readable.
8:01
